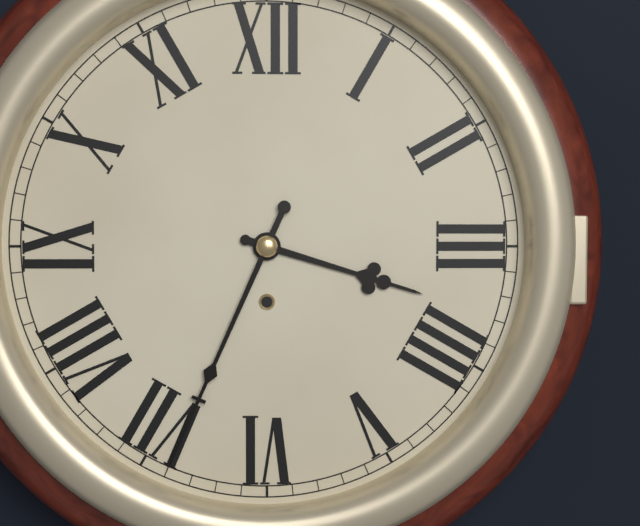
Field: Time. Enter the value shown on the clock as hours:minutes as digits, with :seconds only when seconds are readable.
3:34
